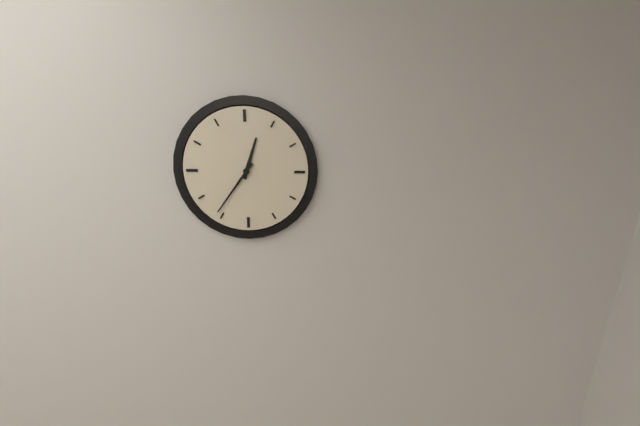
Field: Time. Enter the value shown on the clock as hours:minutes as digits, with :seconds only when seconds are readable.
12:36
